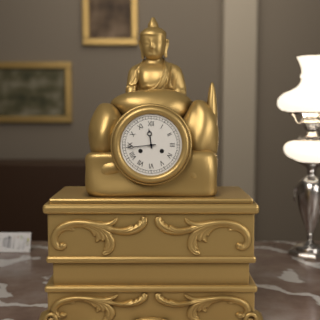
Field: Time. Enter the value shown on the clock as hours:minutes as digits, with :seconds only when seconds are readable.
11:44
